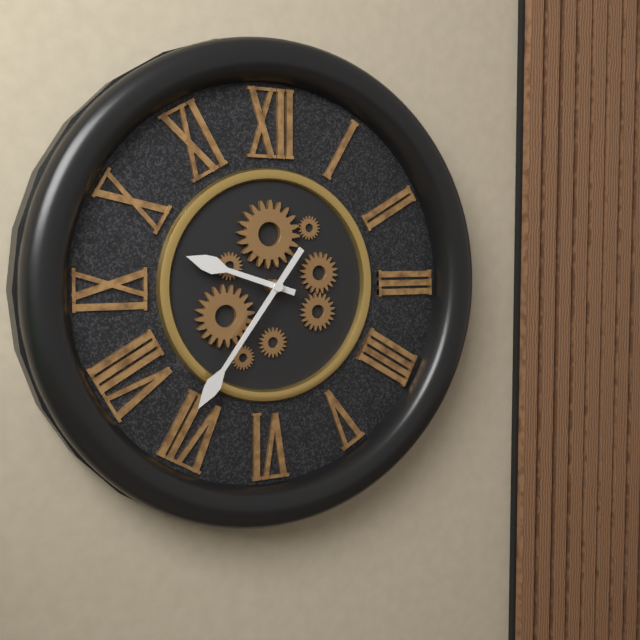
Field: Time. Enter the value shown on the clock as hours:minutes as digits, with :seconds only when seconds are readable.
9:36
